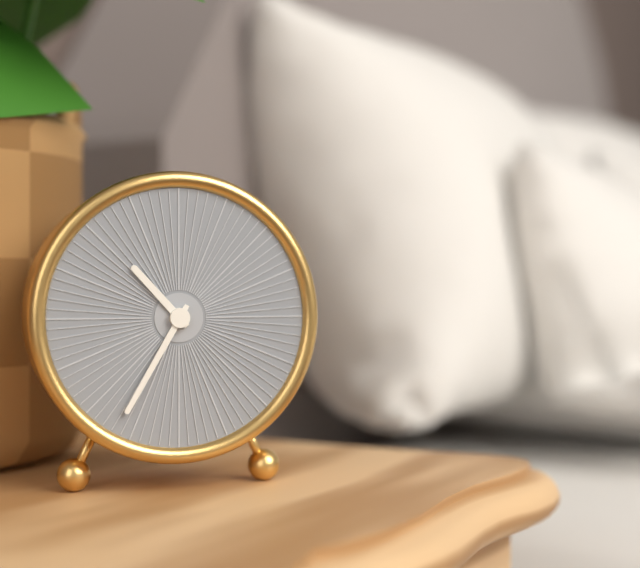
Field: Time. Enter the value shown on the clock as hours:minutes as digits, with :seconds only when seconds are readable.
10:35
